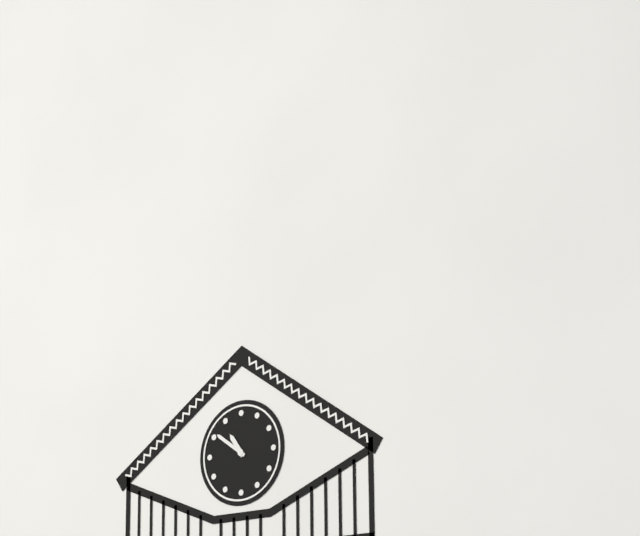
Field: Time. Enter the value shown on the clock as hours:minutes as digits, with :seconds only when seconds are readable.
10:51
